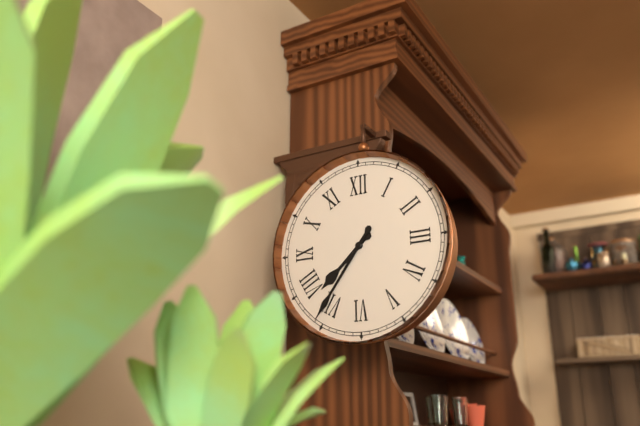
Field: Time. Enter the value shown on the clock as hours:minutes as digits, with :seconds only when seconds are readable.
7:36
